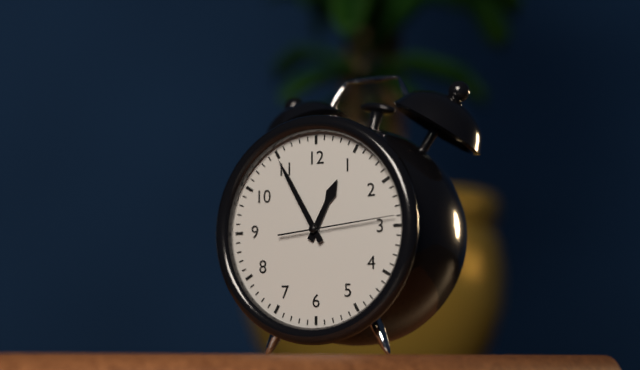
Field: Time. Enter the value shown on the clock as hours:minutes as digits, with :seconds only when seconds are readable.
12:55:14
